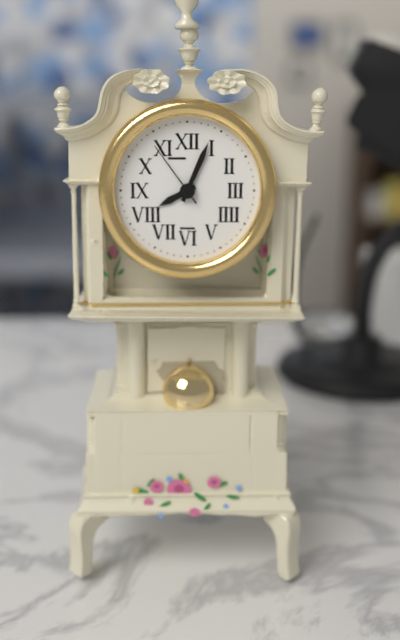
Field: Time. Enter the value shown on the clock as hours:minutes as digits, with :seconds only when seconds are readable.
8:04:54
